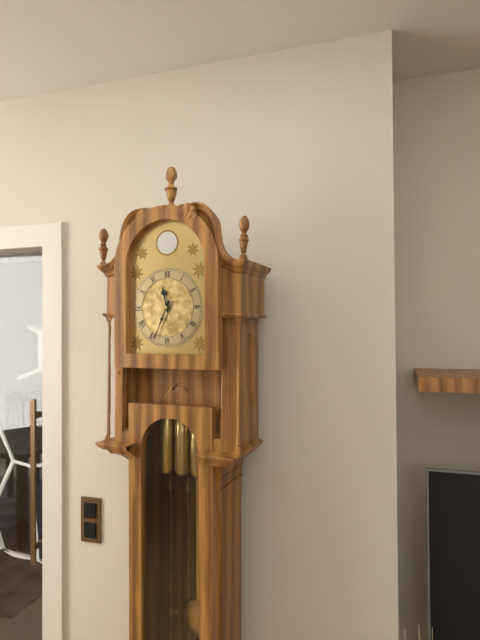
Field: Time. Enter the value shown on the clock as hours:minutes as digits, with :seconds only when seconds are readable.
11:34
